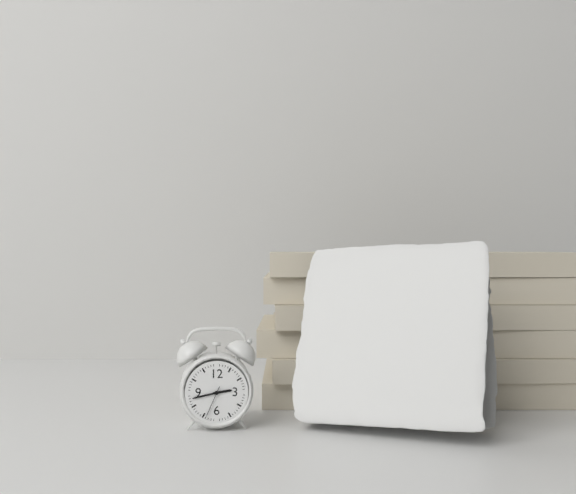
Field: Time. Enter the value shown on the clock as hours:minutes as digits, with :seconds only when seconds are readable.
2:43
